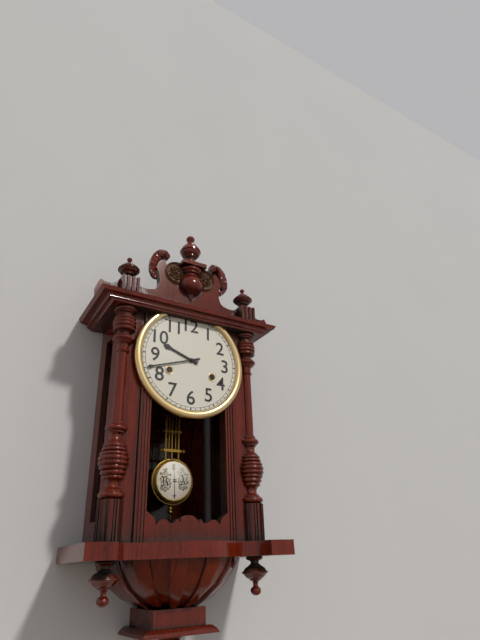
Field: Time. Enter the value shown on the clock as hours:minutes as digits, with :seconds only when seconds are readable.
9:42
